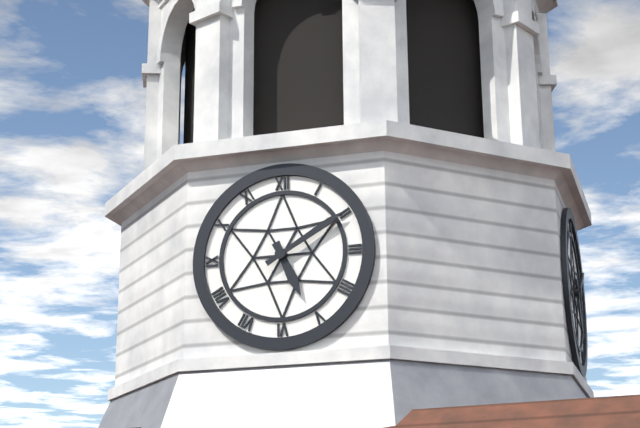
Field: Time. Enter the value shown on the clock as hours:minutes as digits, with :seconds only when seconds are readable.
5:10
